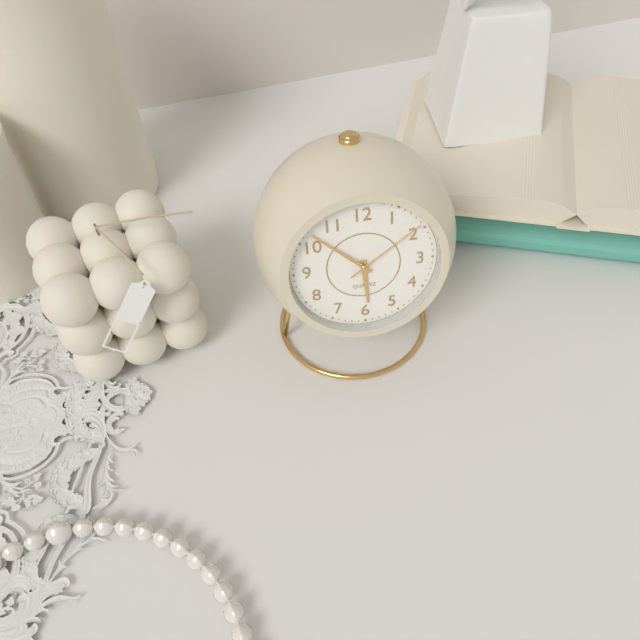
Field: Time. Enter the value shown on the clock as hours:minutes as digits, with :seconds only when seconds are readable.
5:52:09
